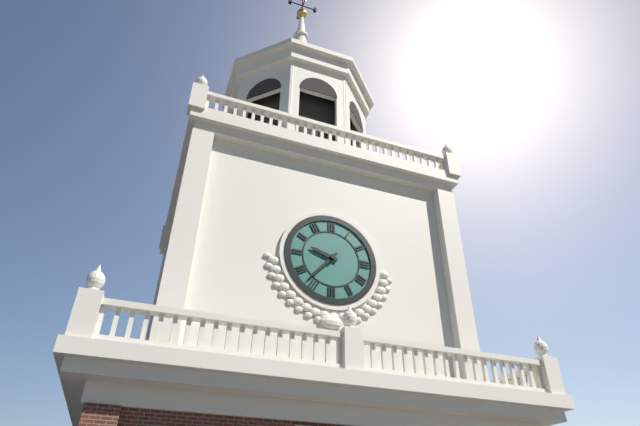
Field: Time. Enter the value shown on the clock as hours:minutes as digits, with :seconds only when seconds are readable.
9:37
